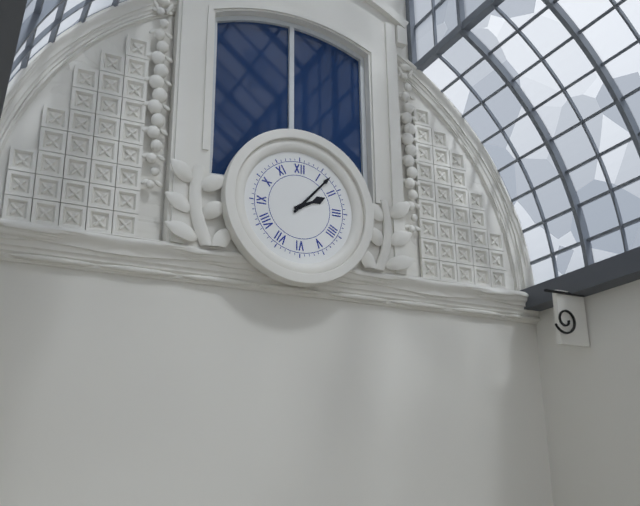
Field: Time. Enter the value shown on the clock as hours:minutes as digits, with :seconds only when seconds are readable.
2:07
